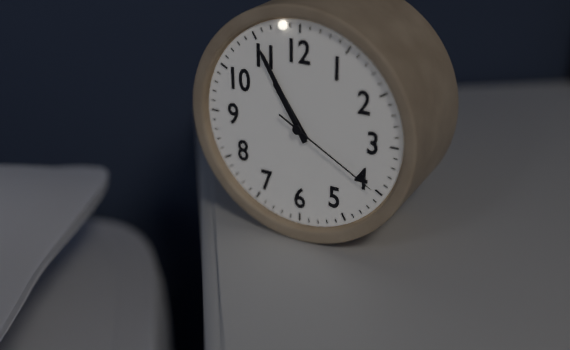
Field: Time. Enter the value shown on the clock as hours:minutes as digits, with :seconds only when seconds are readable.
10:55:20
